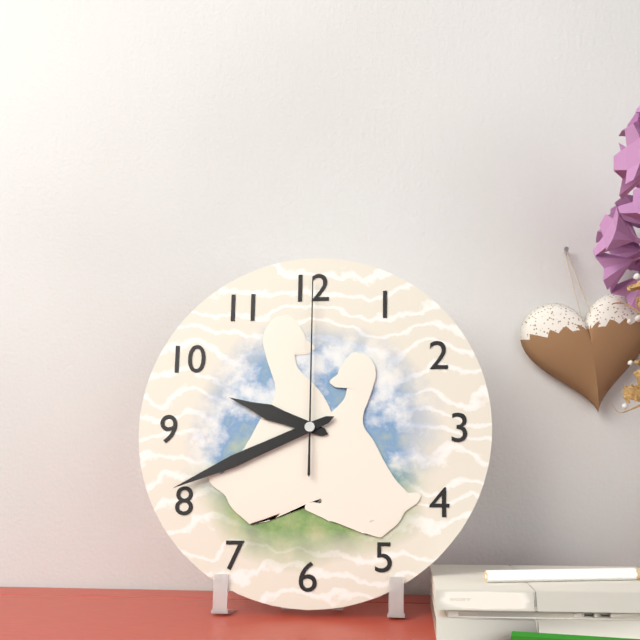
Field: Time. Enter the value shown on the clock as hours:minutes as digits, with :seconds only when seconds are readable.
9:41:00
